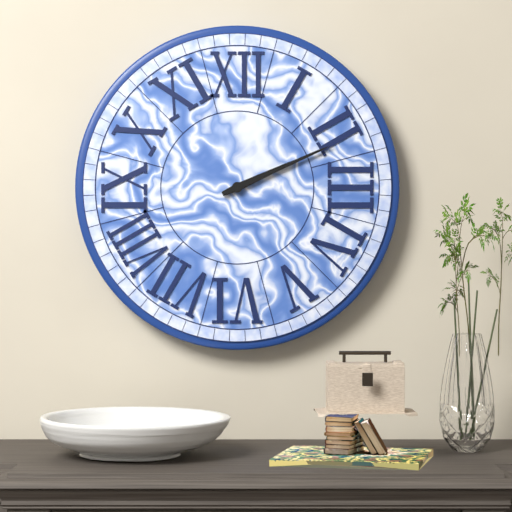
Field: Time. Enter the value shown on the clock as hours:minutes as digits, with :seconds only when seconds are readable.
2:11
